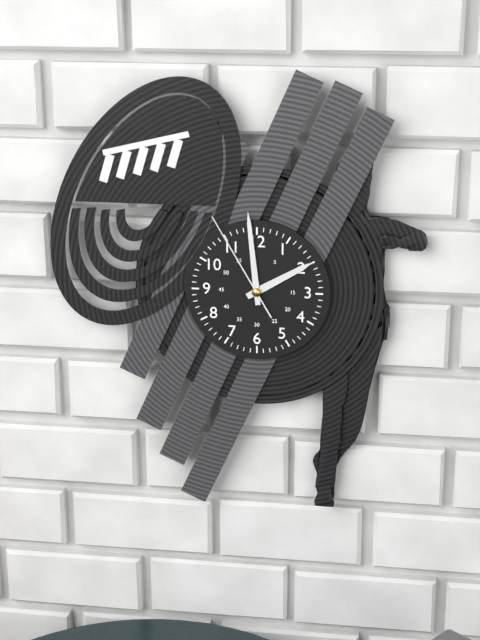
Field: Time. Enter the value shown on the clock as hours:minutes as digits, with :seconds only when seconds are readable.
1:59:55
